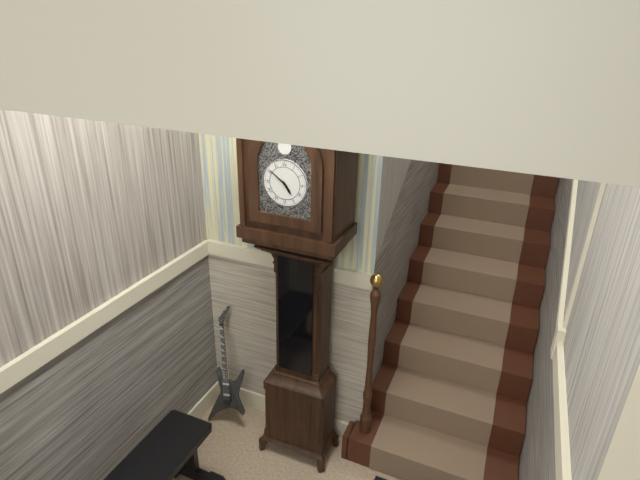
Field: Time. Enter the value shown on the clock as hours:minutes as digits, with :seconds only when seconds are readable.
4:51
